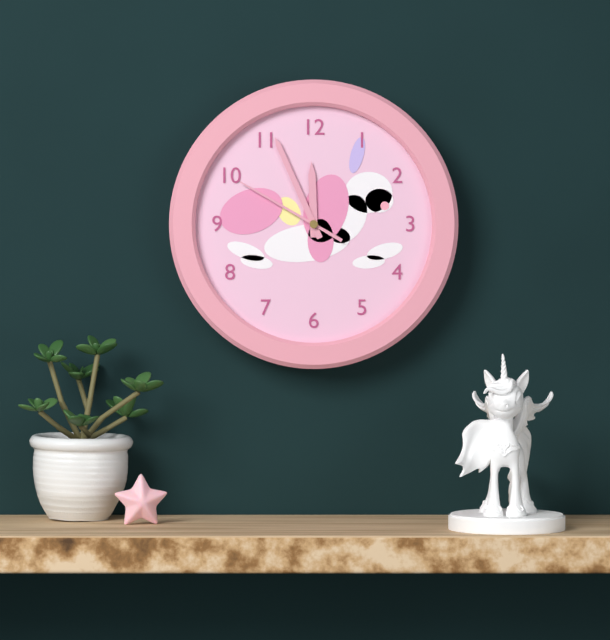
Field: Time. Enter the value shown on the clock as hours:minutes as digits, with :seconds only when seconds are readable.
11:56:50
